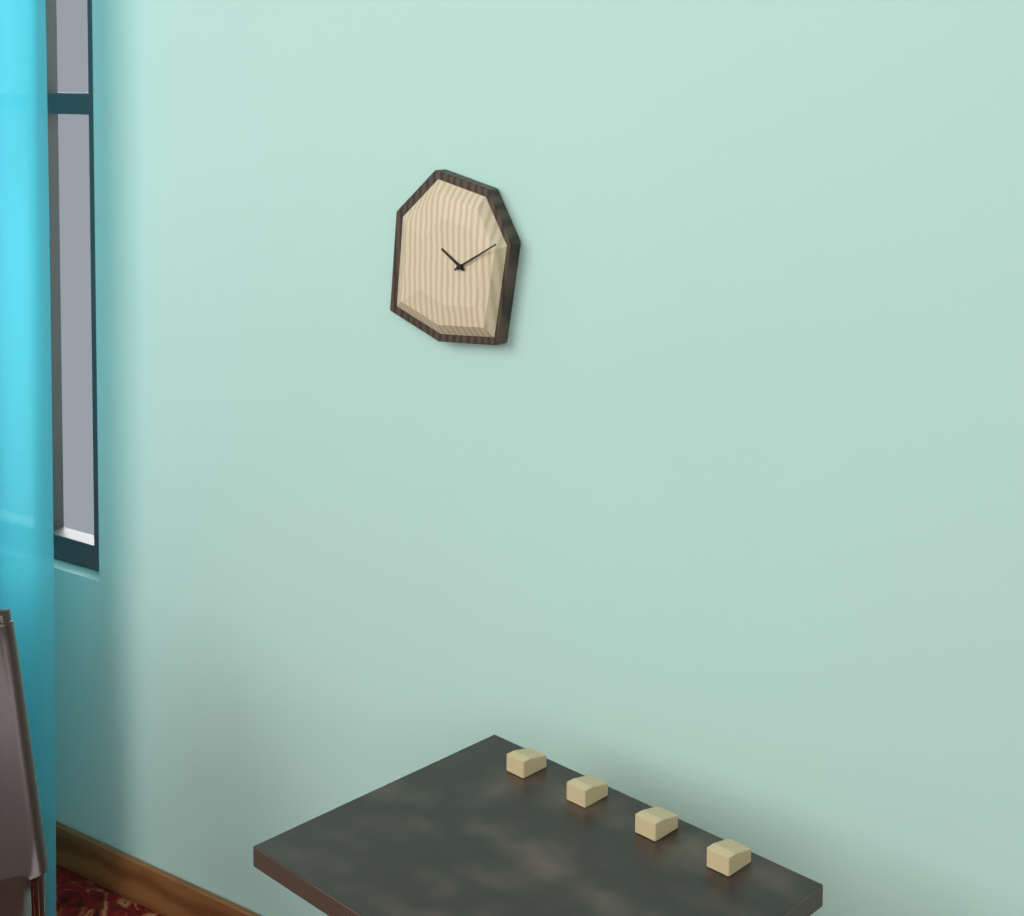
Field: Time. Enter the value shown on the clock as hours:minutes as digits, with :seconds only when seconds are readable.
10:10
